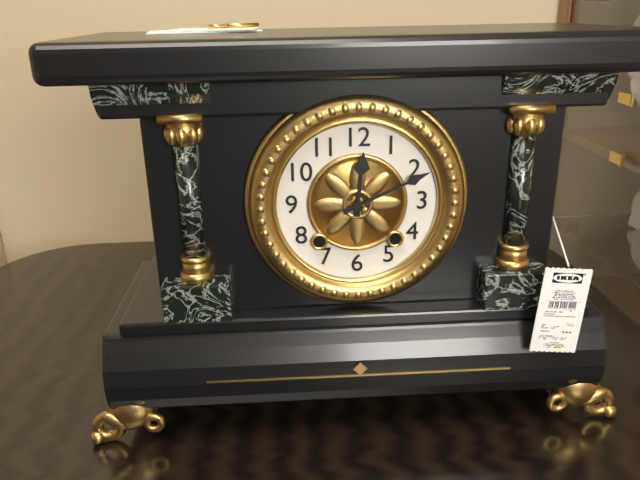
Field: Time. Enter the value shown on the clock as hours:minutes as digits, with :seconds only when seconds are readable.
12:11
